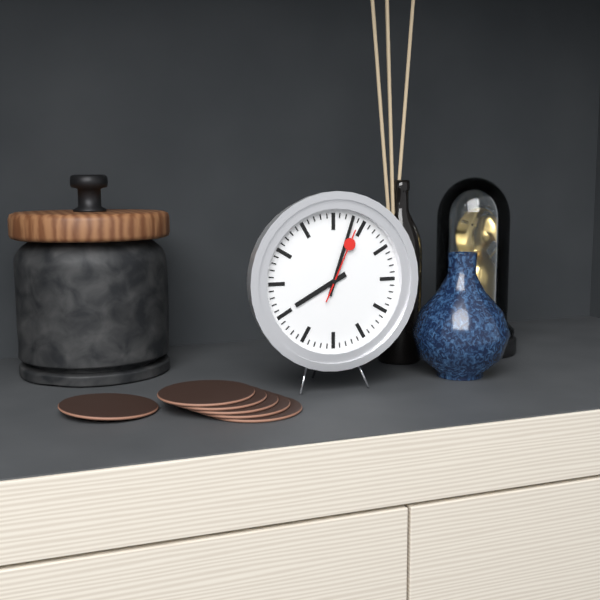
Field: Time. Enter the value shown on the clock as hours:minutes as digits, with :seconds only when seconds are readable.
8:03:04
